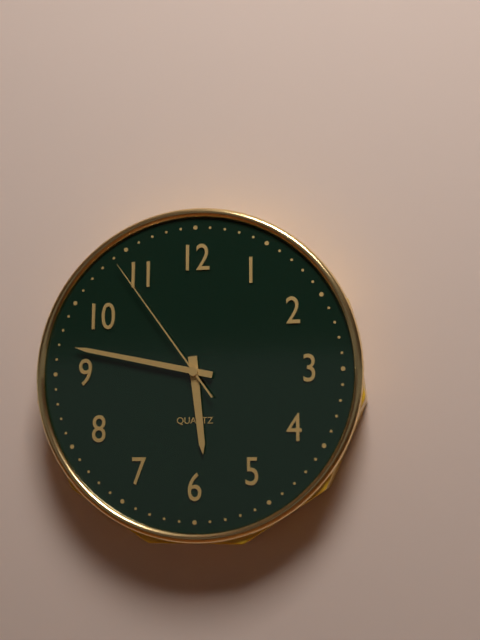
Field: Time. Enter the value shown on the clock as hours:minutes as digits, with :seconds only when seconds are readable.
5:47:54
